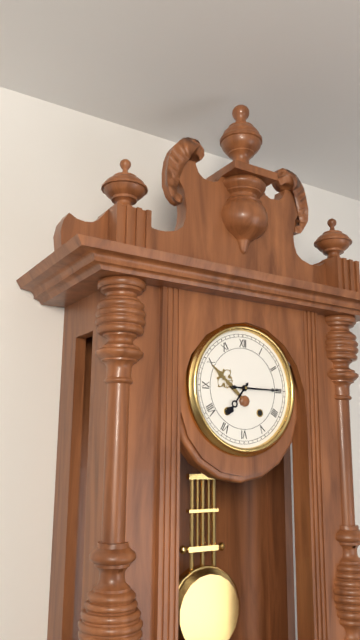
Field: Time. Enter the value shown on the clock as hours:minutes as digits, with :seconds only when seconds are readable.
7:15
